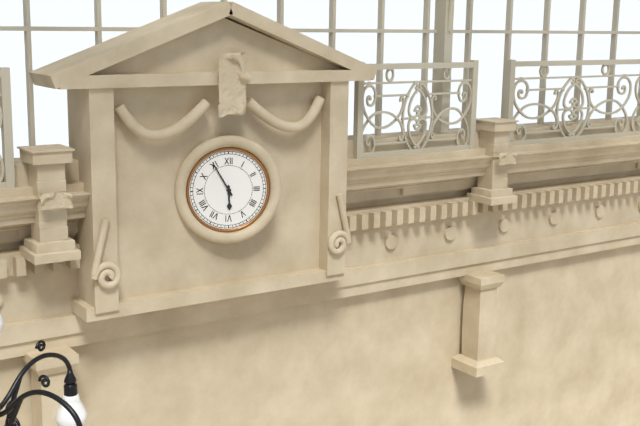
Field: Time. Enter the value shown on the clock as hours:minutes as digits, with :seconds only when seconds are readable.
5:55
